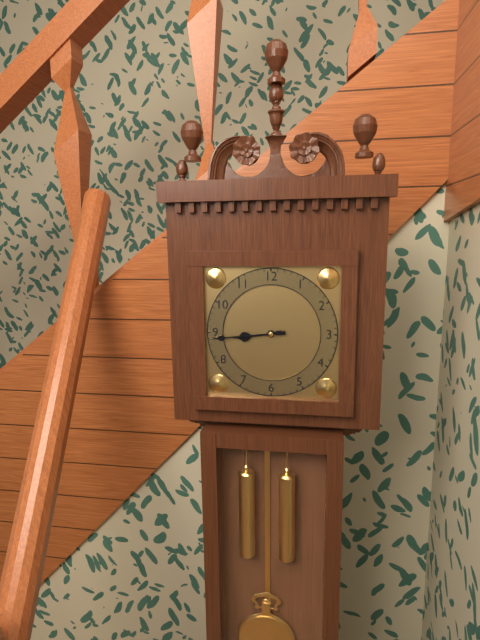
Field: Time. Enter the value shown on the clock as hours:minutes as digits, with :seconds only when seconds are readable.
8:44
